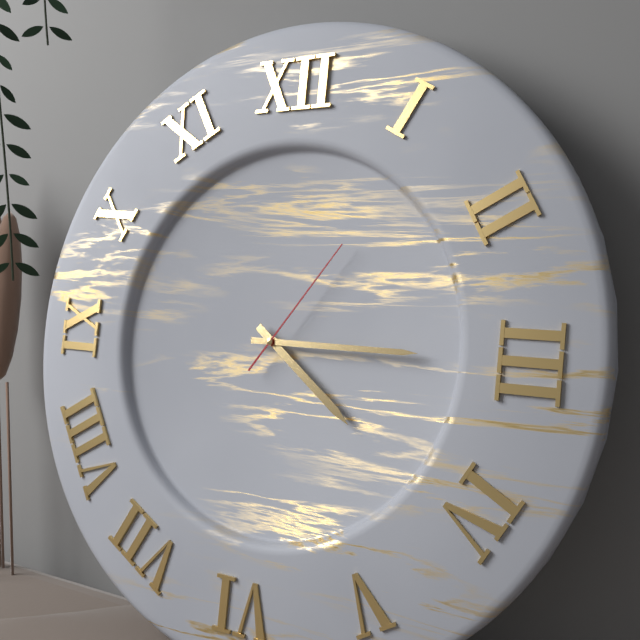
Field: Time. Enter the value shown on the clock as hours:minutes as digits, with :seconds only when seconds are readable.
4:15:06
